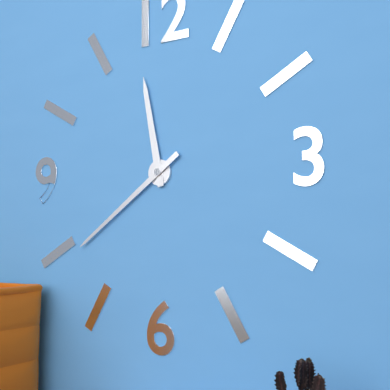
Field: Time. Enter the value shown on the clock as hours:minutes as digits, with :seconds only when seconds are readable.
11:39
